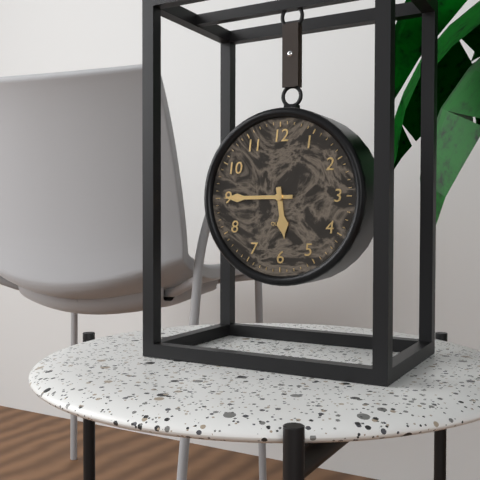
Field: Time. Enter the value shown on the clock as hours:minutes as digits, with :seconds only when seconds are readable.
5:45
